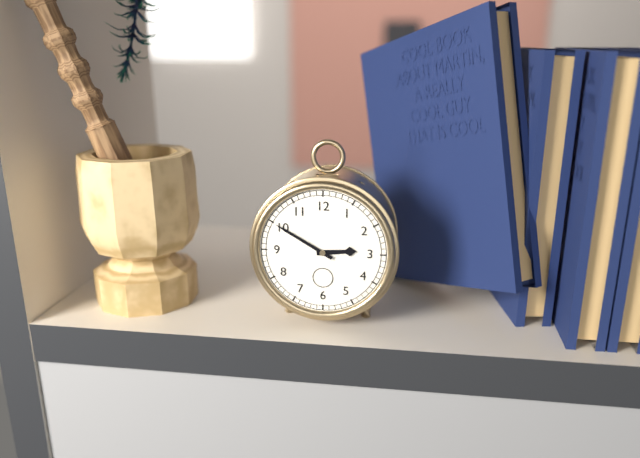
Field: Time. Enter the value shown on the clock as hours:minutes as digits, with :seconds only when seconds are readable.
2:50
